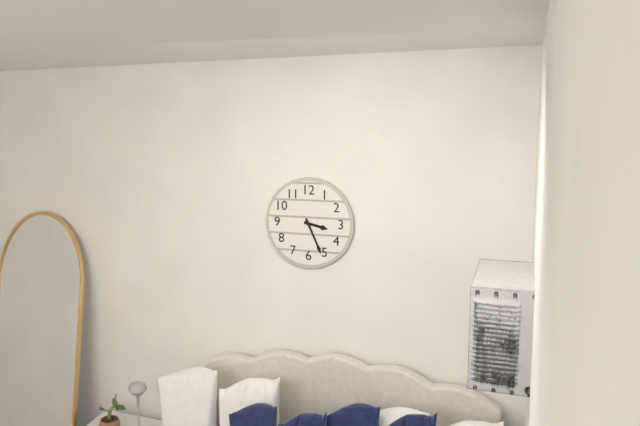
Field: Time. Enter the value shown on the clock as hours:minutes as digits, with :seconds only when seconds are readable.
3:26
